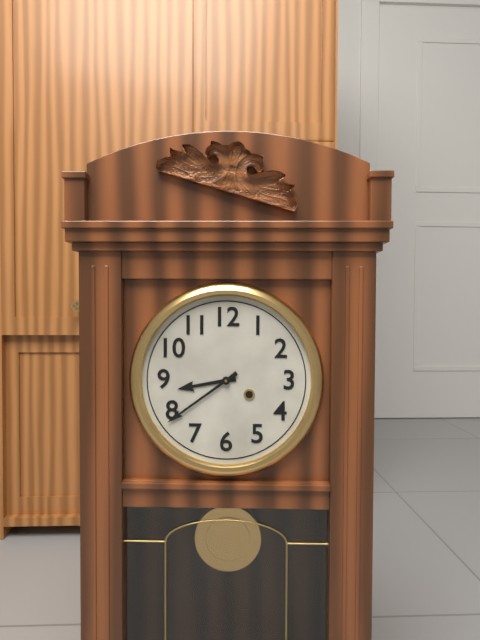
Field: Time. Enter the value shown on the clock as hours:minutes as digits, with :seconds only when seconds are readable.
8:39
